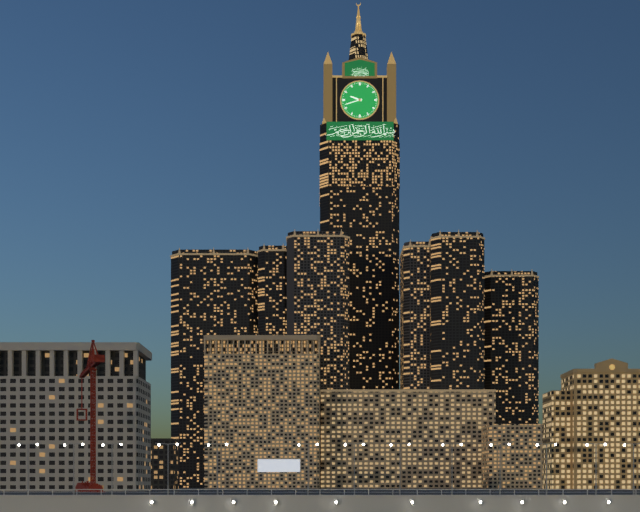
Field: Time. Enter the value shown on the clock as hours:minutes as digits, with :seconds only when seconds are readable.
9:42
